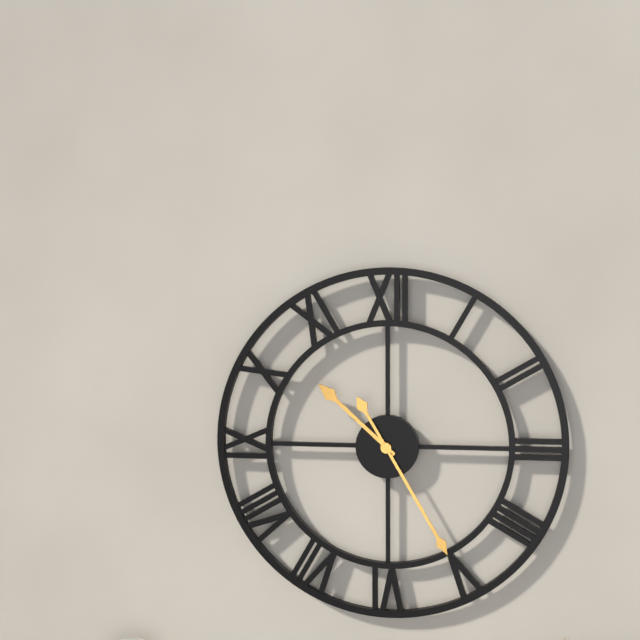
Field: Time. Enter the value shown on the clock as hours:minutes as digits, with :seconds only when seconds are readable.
10:25
